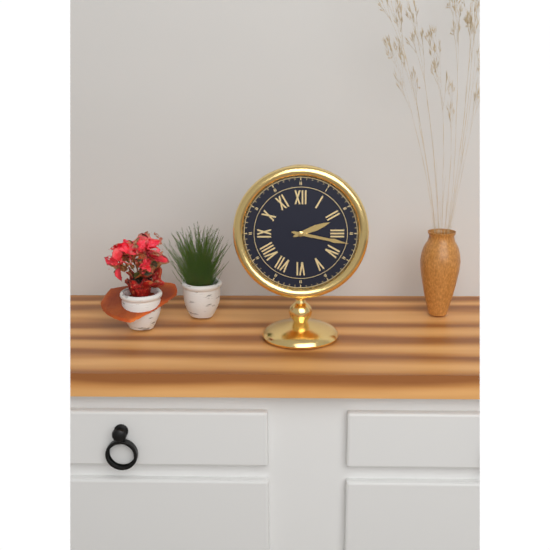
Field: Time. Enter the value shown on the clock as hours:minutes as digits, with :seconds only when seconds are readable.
2:17
